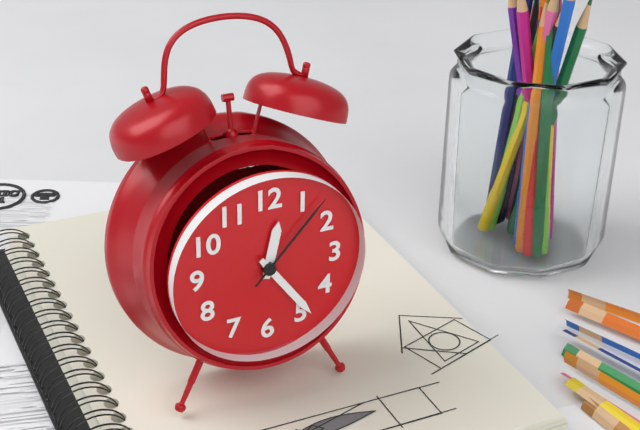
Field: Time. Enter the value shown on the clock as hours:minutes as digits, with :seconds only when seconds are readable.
12:24:07
